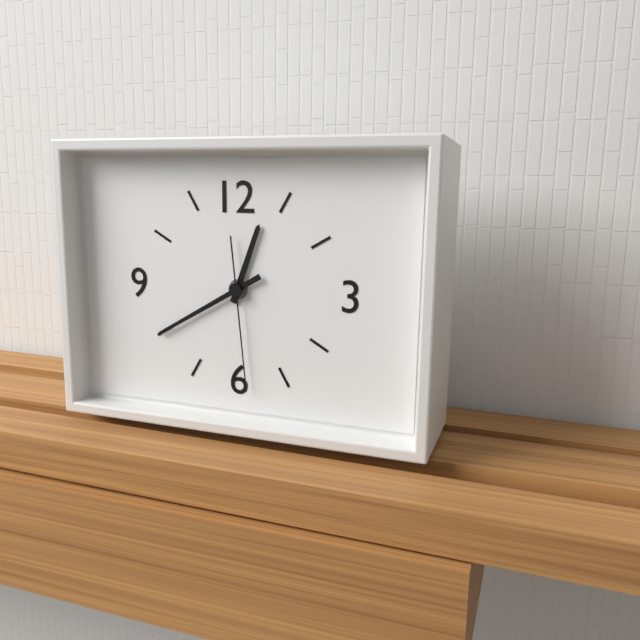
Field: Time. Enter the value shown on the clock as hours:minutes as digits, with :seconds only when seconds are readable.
12:40:29
